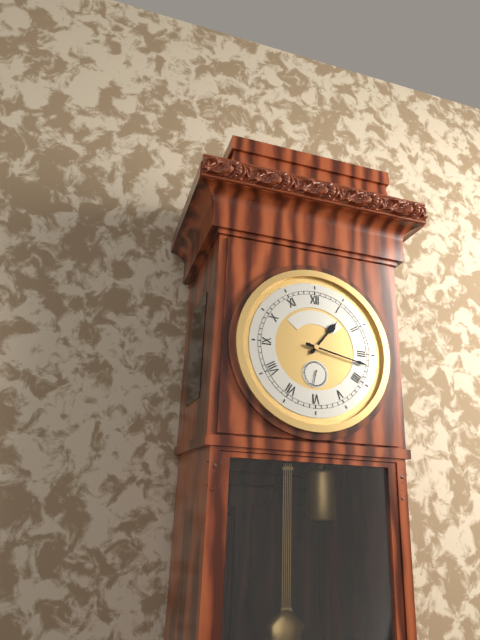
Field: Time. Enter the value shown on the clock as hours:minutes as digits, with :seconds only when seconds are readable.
1:17
